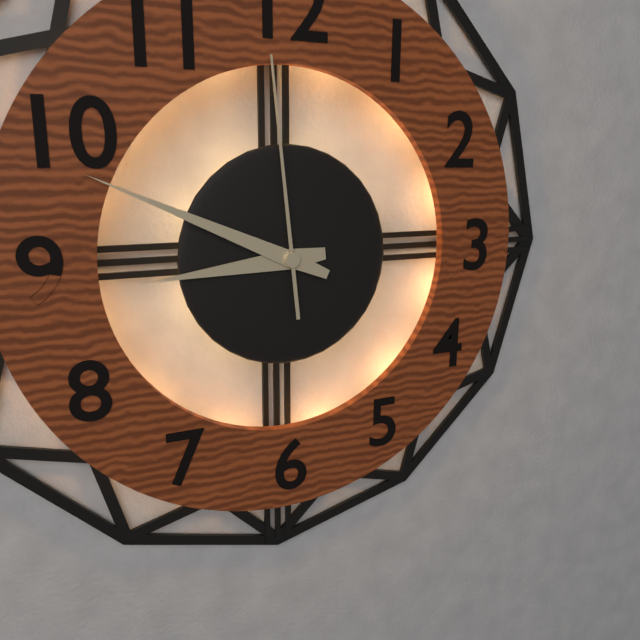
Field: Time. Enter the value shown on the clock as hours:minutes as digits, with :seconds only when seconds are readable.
8:49:59
